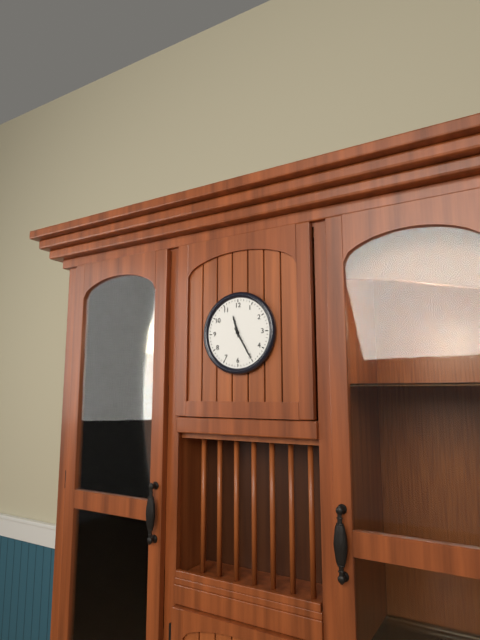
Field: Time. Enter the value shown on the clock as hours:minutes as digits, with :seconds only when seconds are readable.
11:25
